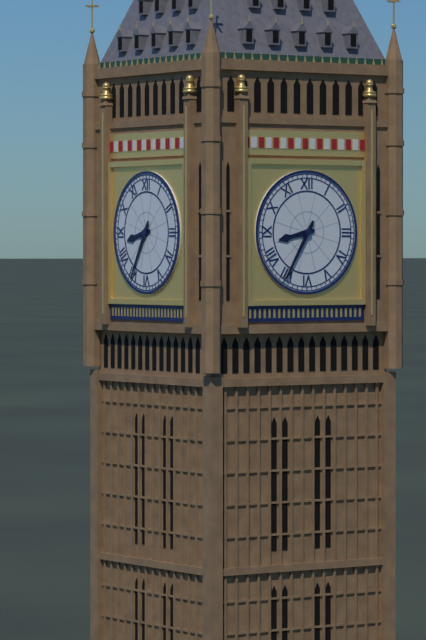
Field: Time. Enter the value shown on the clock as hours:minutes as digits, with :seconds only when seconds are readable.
8:35
